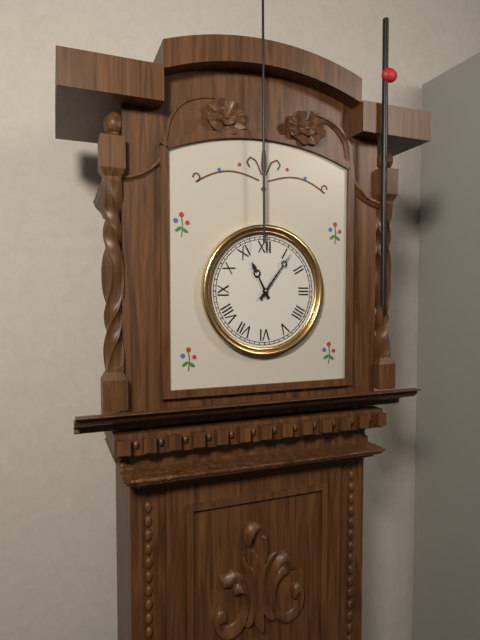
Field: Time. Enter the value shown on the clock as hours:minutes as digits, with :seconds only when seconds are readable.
11:06
